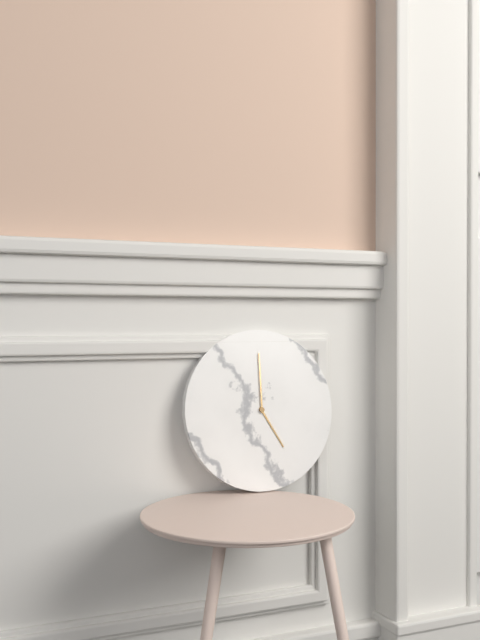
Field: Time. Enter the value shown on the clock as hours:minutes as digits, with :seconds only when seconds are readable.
5:00
